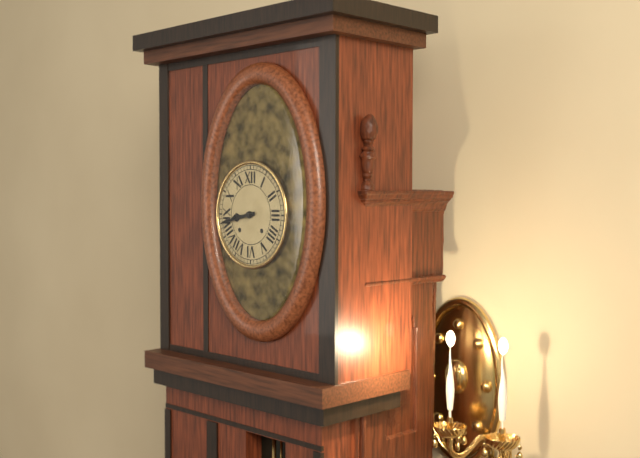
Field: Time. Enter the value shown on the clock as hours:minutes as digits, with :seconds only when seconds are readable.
8:43
